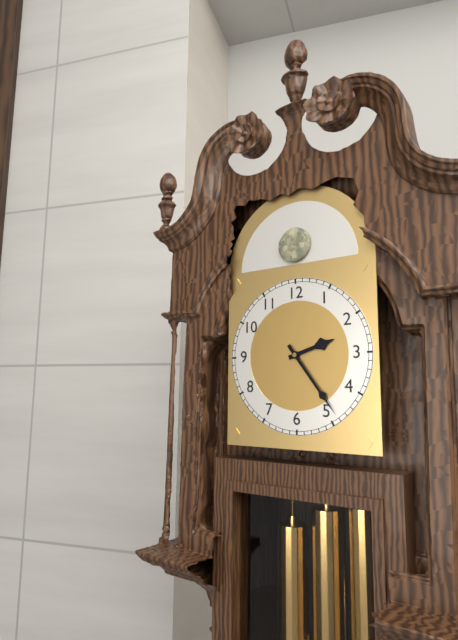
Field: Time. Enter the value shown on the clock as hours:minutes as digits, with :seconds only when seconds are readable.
2:24
